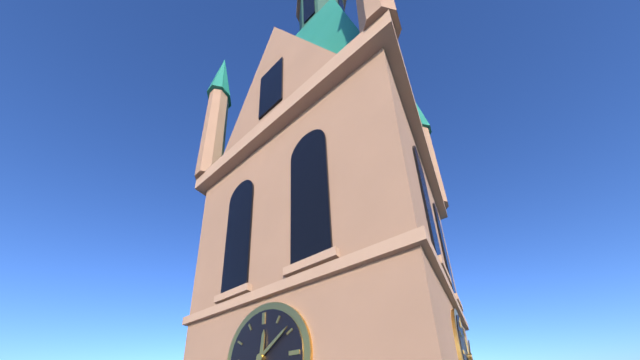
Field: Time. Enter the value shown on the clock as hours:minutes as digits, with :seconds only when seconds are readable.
12:09
